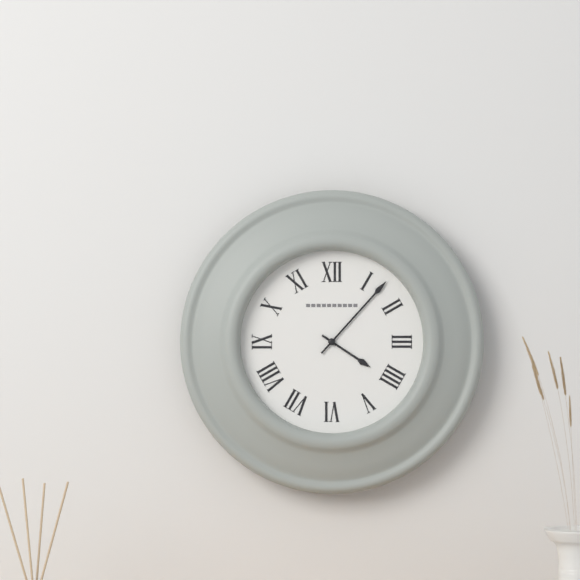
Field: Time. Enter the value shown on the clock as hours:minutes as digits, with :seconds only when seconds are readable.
4:07
